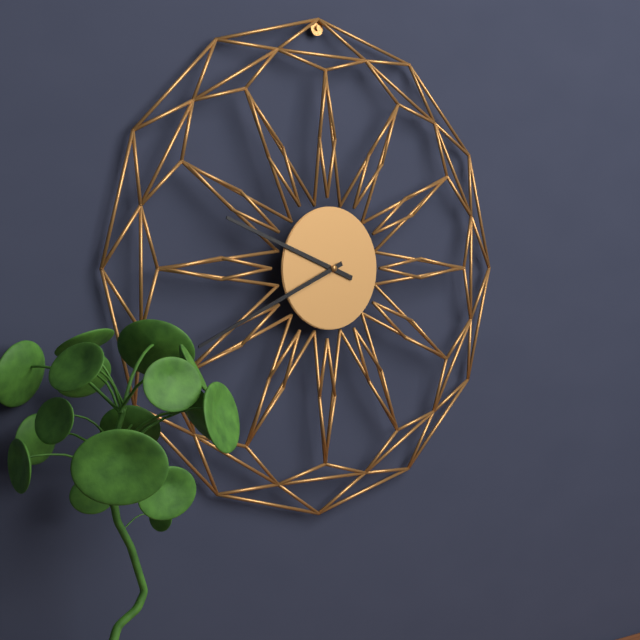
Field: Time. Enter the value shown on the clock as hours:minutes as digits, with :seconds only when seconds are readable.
9:41
